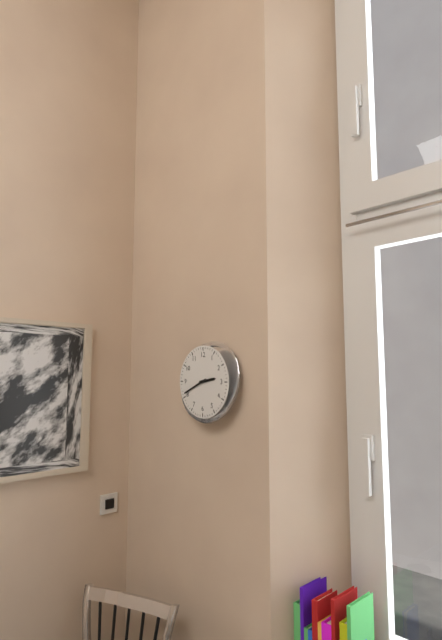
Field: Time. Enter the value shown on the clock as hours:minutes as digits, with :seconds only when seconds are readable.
2:41
